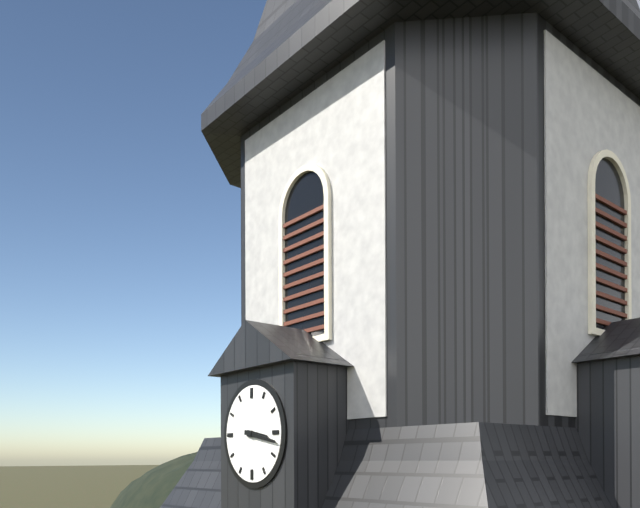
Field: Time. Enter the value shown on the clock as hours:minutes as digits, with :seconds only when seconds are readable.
3:17
